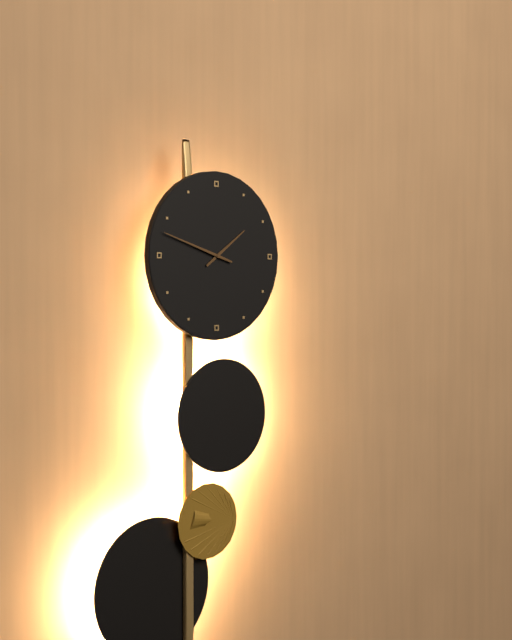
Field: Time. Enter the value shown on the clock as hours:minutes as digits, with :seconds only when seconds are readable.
1:48
